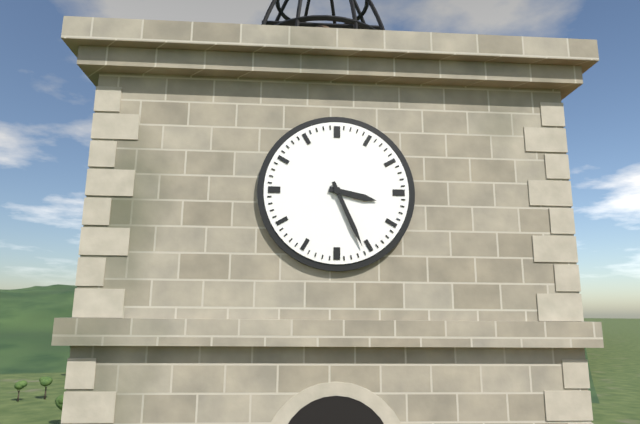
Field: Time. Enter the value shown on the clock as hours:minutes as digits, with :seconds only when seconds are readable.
3:26
